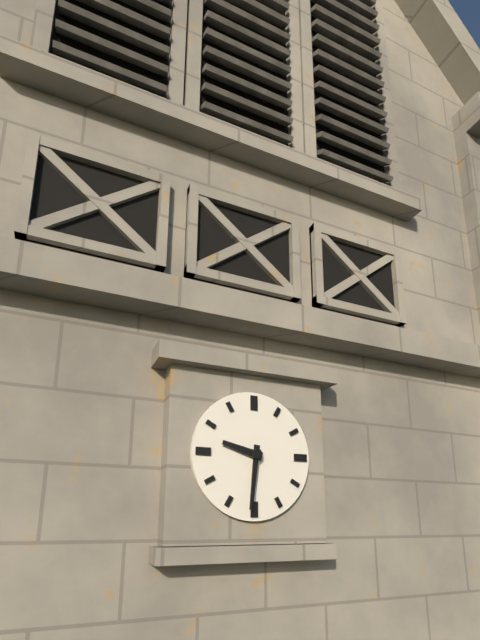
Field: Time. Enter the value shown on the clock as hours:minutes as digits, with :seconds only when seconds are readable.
9:31
